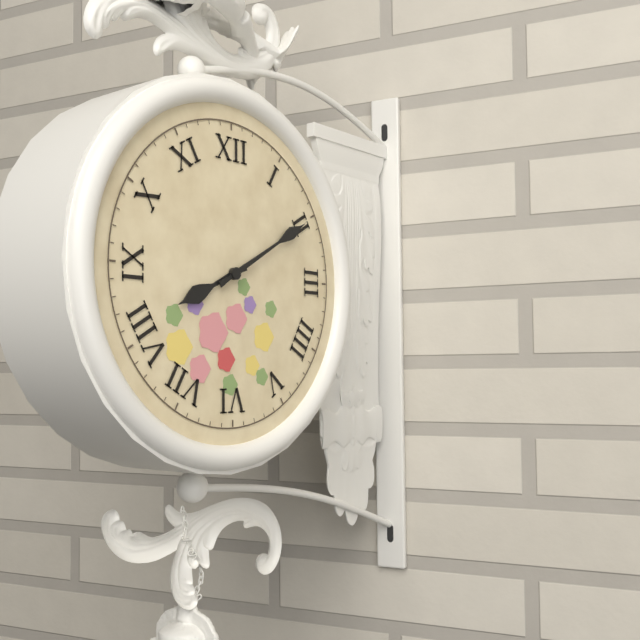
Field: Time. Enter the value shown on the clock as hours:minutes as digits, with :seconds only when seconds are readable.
8:10
